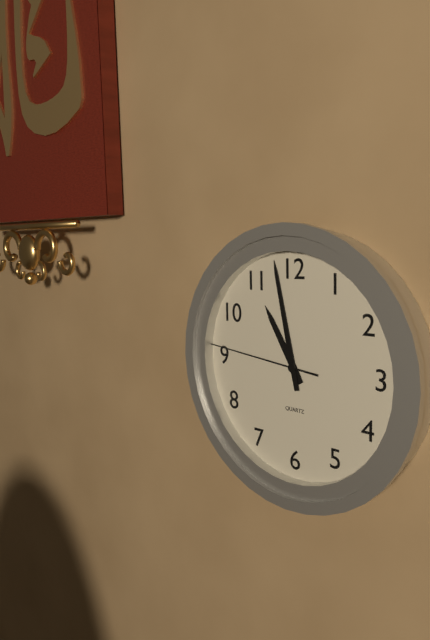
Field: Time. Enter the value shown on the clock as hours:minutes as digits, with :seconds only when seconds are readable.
10:58:46
